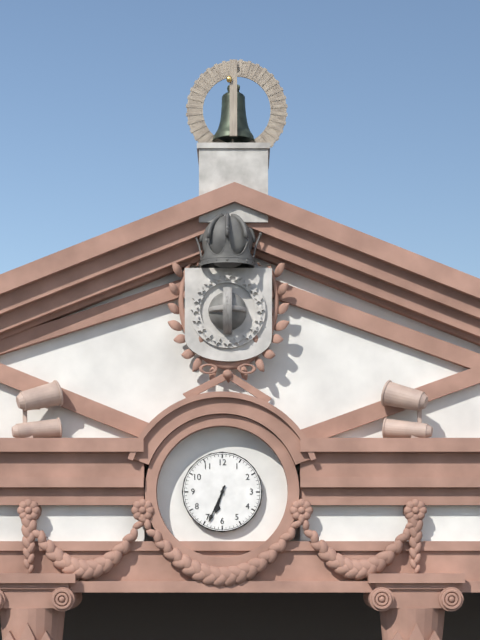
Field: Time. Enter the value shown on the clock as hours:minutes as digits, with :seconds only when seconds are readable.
6:34
